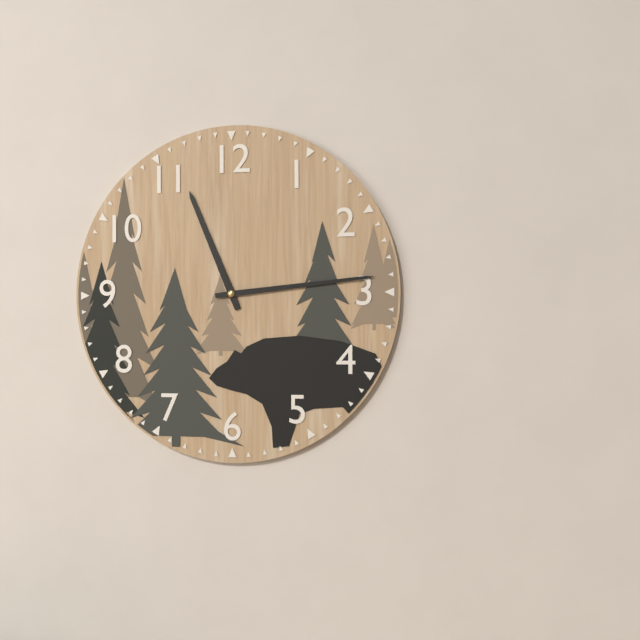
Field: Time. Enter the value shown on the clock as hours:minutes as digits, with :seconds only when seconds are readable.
11:14
